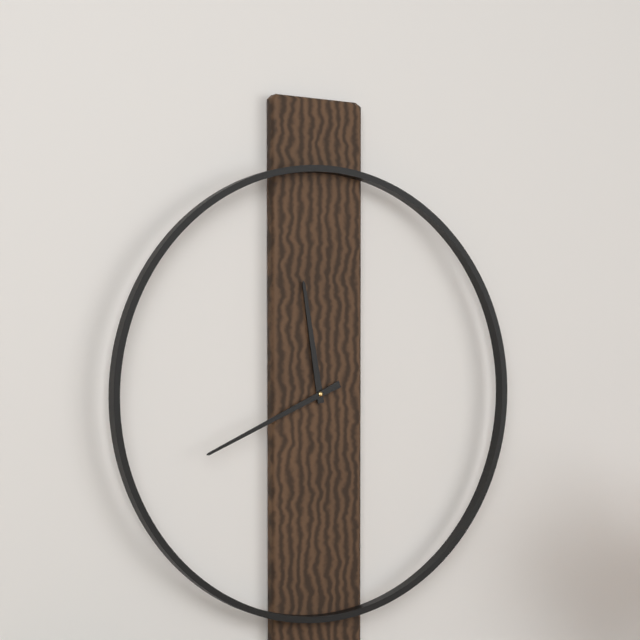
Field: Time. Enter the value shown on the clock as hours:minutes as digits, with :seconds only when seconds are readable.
11:41
